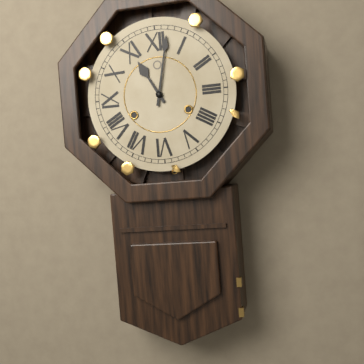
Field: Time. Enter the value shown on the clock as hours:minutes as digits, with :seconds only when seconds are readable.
11:02
